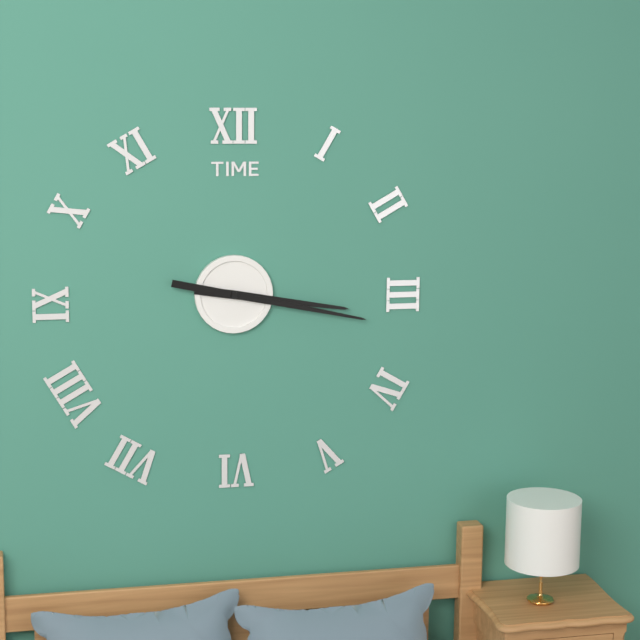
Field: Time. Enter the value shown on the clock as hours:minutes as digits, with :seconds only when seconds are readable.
3:17
